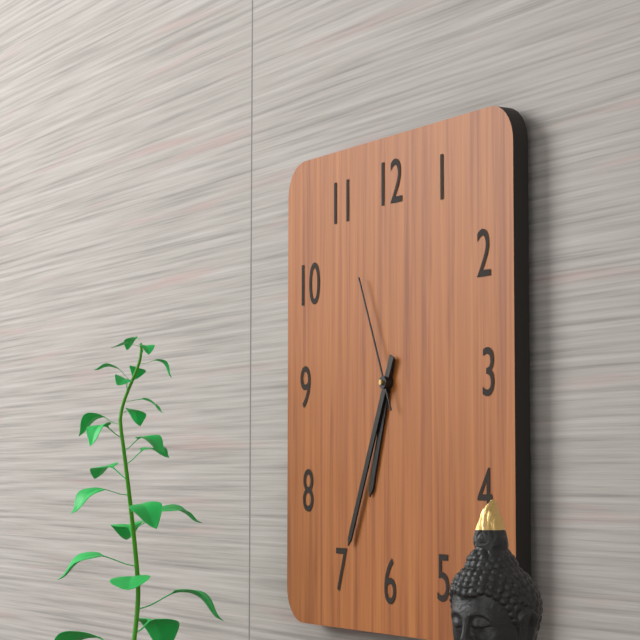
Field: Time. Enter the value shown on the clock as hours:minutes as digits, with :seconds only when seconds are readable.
6:34:56
